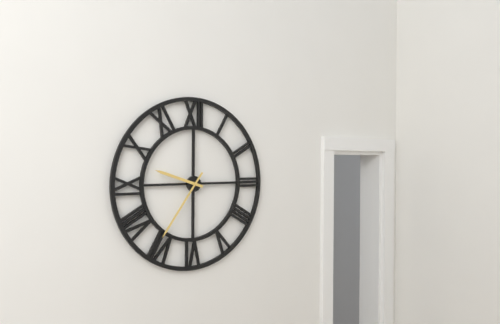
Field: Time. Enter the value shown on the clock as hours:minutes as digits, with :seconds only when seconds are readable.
9:36
